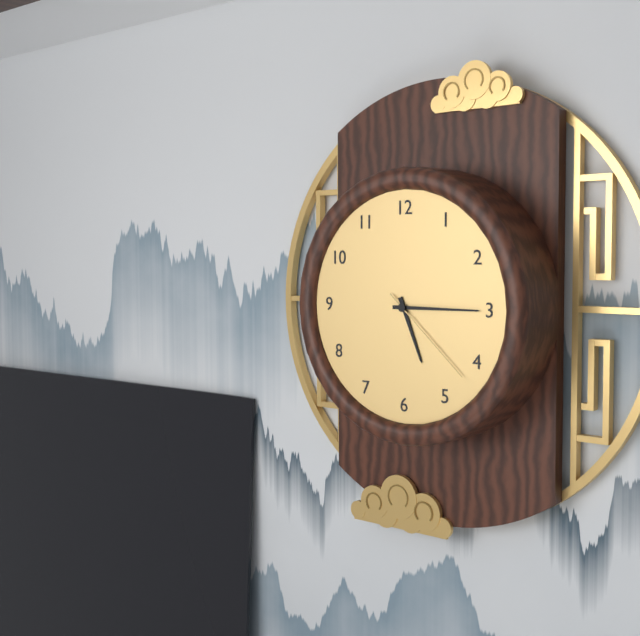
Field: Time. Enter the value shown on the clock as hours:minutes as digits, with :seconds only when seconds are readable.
5:15:22
